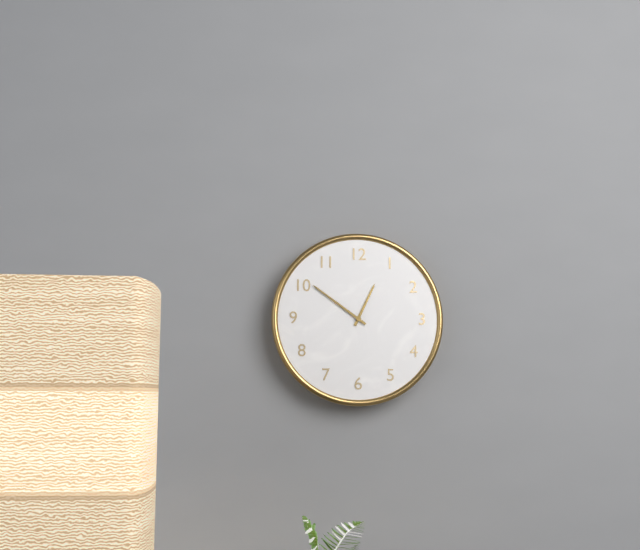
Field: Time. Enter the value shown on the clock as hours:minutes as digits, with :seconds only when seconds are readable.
12:51
